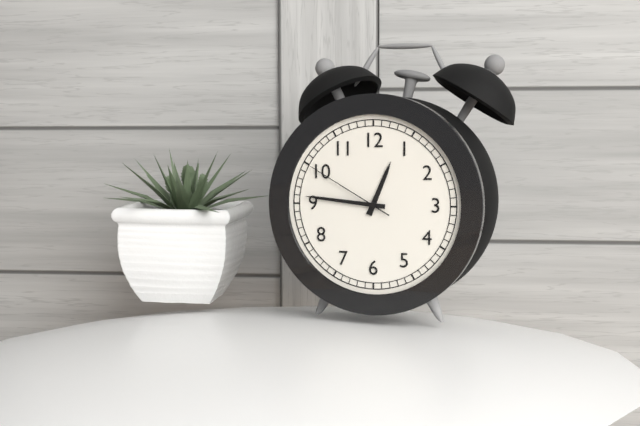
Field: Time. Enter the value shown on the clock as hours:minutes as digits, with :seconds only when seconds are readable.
12:46:50
